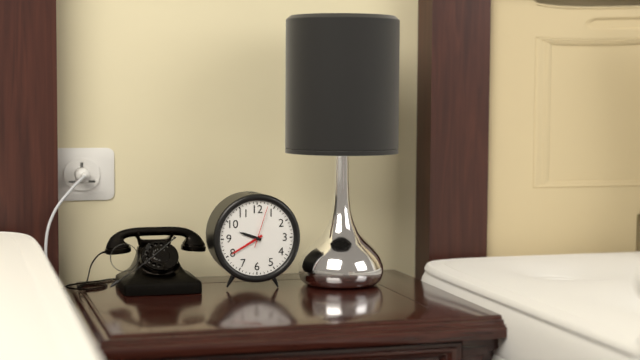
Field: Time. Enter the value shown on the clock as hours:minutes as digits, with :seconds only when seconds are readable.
9:40
